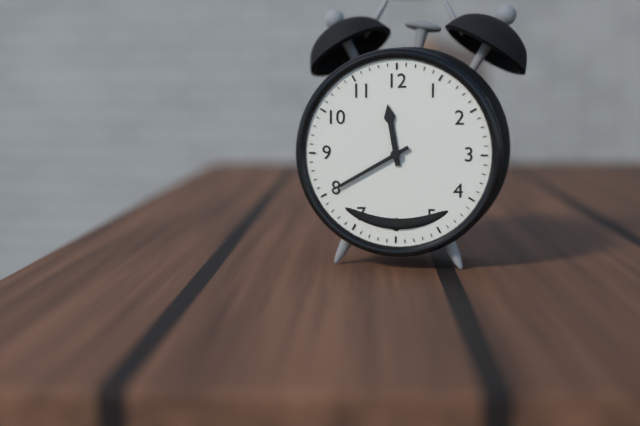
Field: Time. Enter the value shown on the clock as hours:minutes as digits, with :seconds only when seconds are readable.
11:40
